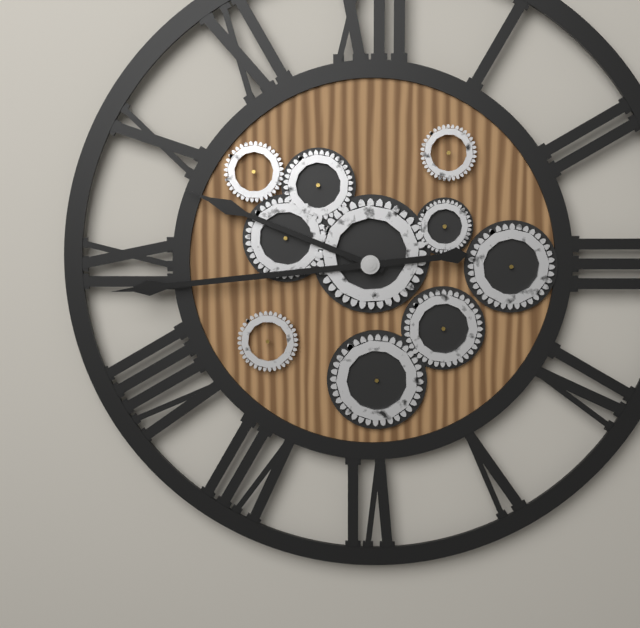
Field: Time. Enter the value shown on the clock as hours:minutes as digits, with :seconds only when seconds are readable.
9:44
